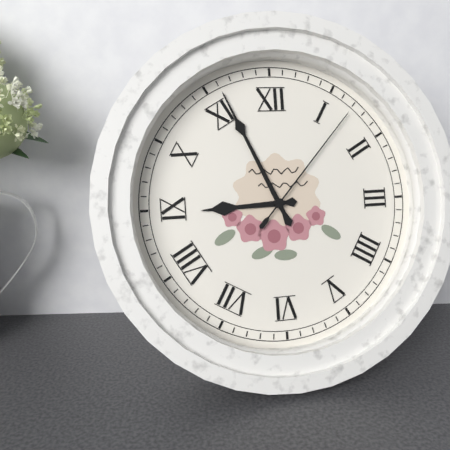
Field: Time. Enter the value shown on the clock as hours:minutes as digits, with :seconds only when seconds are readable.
8:56:07
